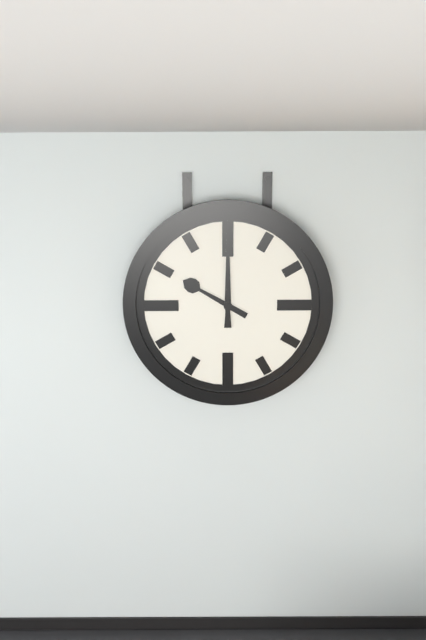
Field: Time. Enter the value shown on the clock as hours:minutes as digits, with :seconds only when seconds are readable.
10:00
